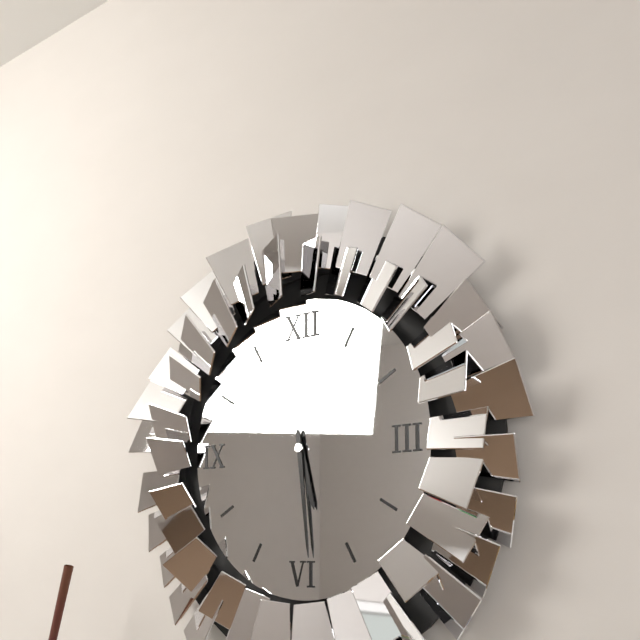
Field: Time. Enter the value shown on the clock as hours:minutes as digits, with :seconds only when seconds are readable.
5:29
